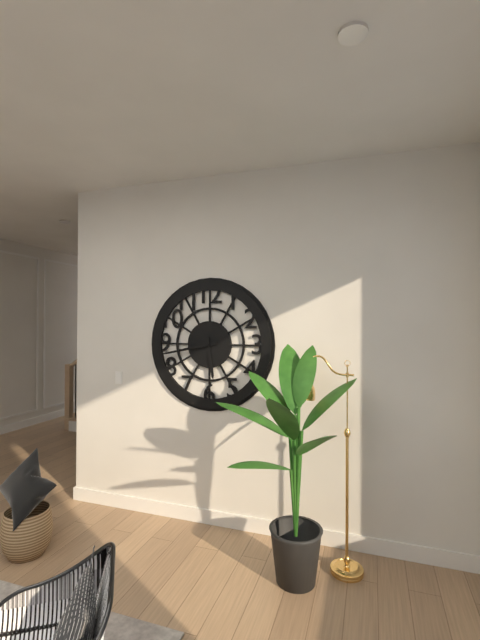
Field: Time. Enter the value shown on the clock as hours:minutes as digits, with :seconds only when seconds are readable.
5:43
